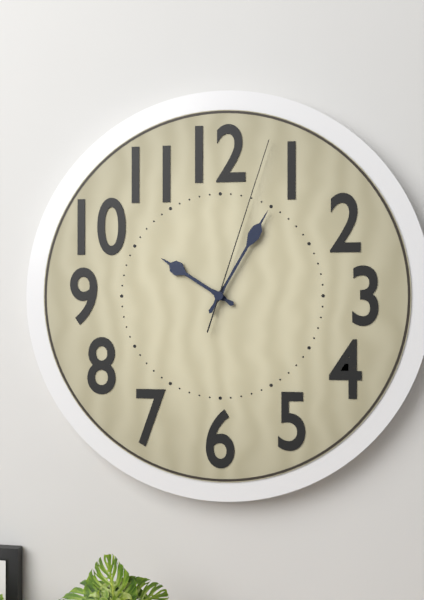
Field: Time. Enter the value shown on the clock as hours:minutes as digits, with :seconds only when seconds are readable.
10:05:03
